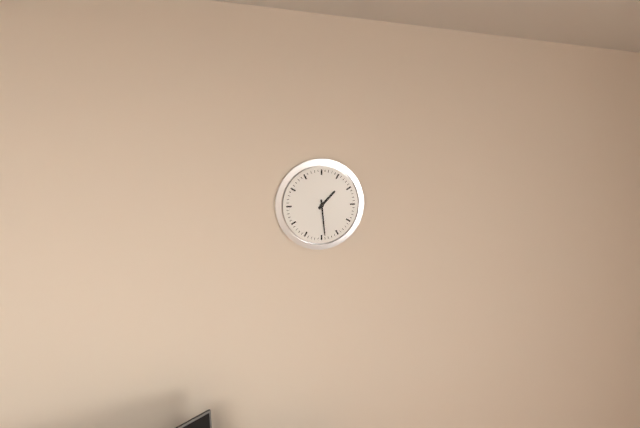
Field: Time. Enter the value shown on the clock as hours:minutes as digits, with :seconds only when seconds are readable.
1:29
